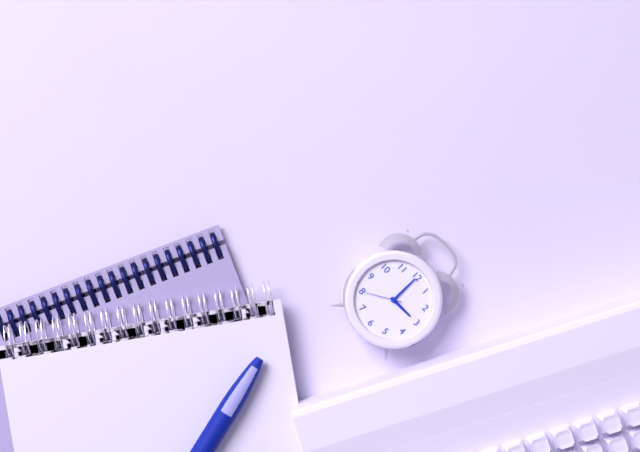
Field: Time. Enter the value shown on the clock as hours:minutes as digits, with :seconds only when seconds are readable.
3:00
